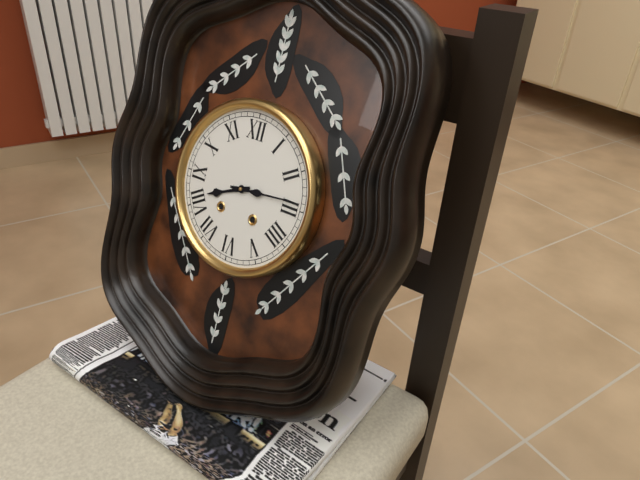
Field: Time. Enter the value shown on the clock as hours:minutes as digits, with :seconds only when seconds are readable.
8:14
